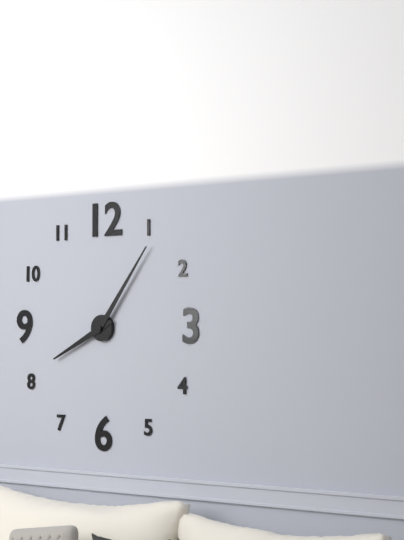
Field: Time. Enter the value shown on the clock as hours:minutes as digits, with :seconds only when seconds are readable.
8:06
